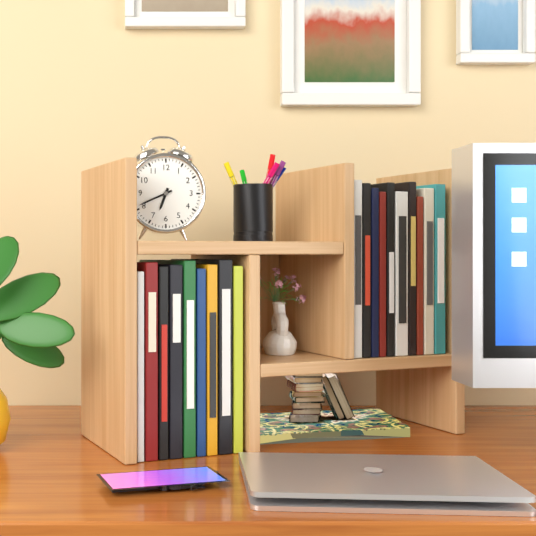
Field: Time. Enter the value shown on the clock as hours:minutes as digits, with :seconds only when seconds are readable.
6:41
